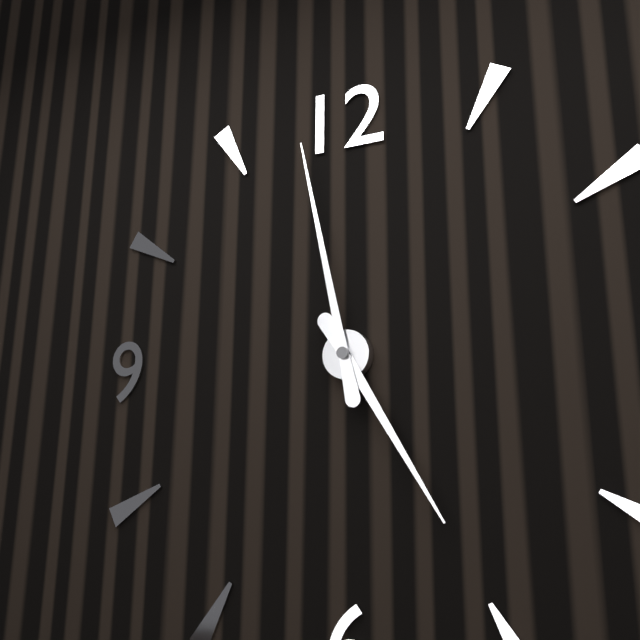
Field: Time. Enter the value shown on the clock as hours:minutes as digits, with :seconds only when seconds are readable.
4:58
